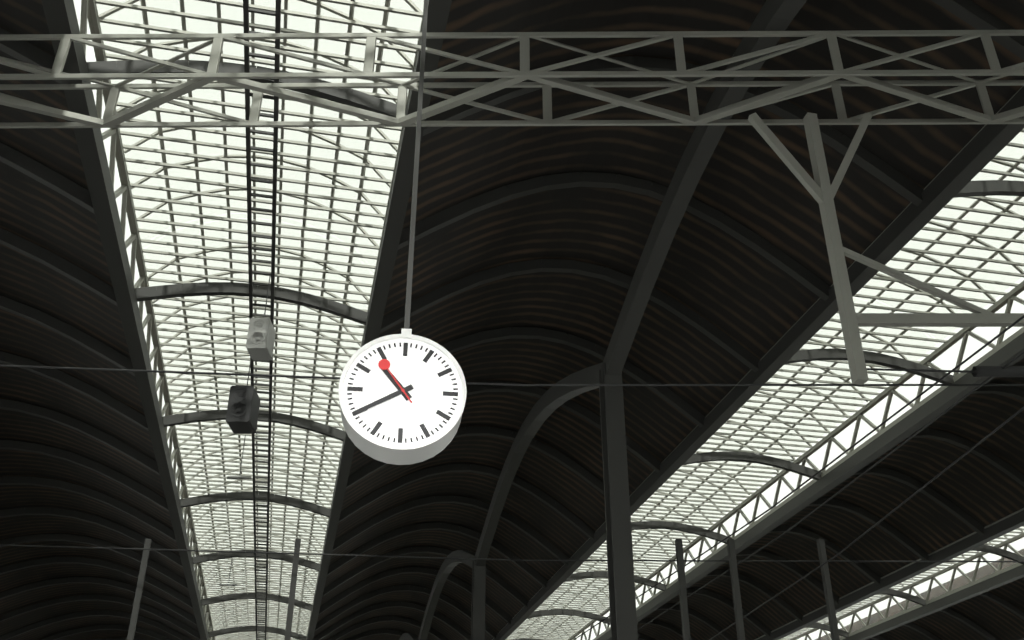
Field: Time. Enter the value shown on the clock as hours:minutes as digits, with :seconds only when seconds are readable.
10:40
